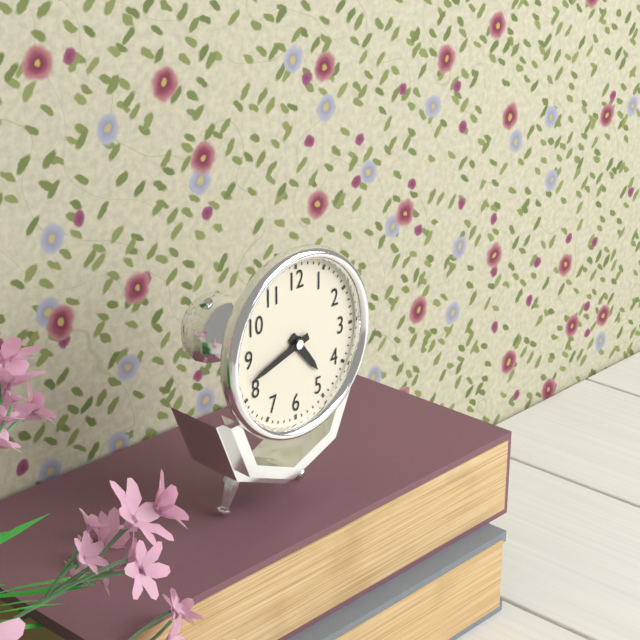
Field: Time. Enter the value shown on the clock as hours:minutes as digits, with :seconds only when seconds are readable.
4:42
